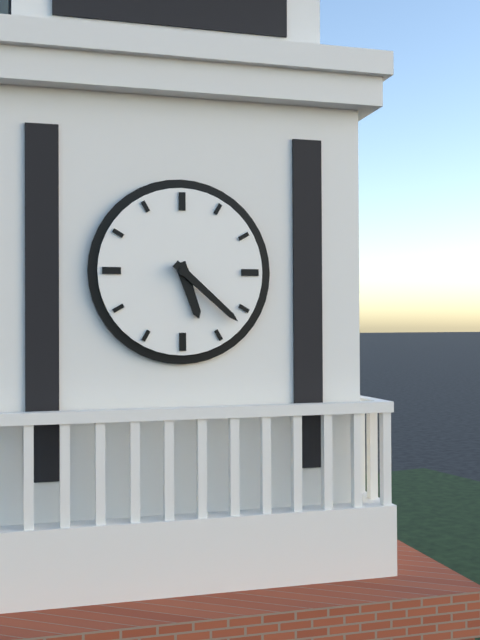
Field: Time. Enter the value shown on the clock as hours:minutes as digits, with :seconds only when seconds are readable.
5:22
